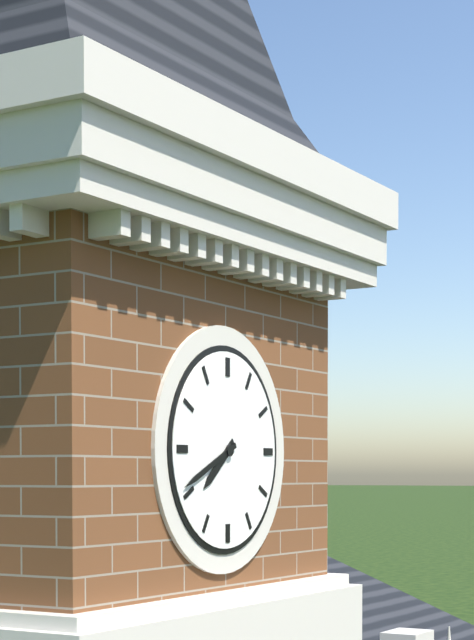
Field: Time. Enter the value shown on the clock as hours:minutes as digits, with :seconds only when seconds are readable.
7:41
